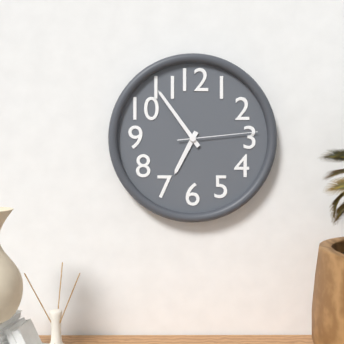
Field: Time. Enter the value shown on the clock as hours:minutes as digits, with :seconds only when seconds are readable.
6:54:14
